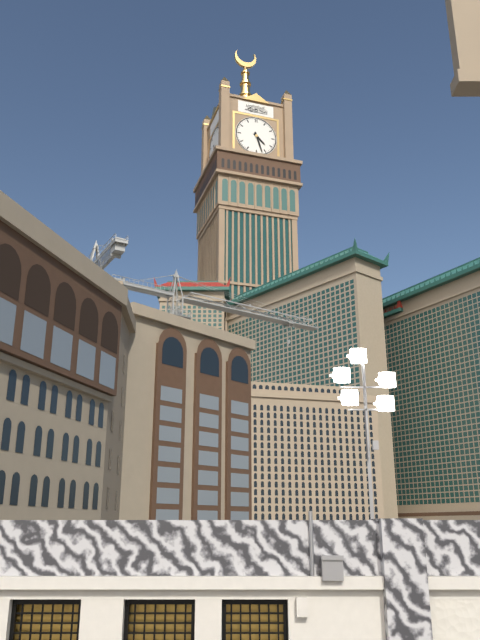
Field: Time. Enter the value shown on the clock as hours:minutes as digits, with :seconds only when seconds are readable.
4:27
